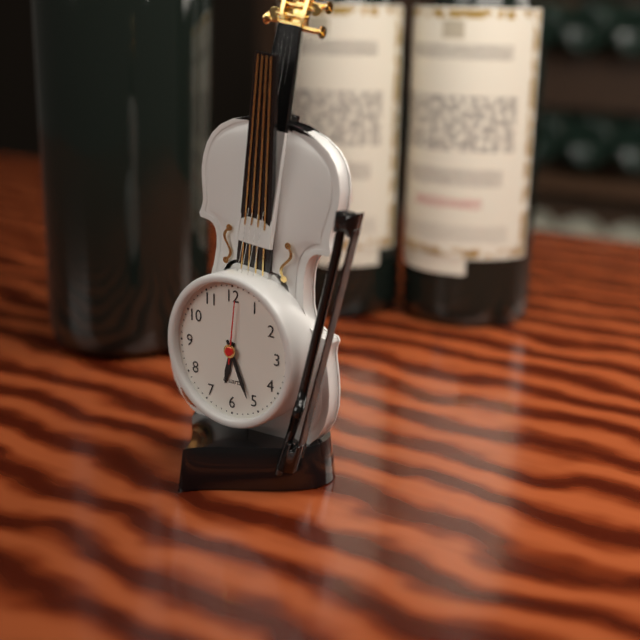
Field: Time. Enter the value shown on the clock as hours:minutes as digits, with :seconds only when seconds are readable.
6:26:01
